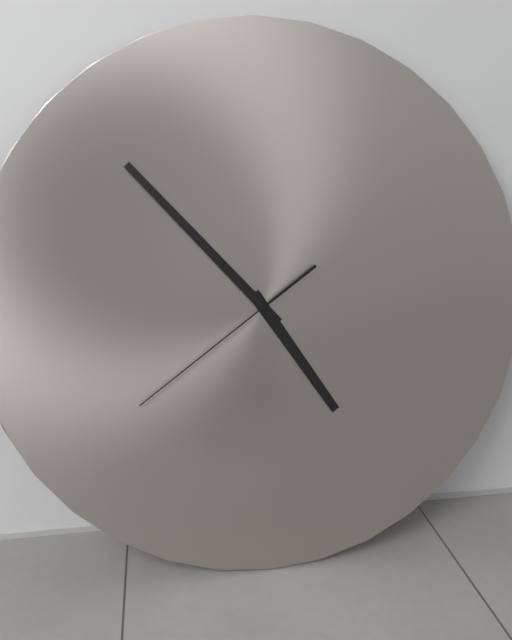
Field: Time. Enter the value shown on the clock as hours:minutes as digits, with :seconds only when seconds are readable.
4:53:39
